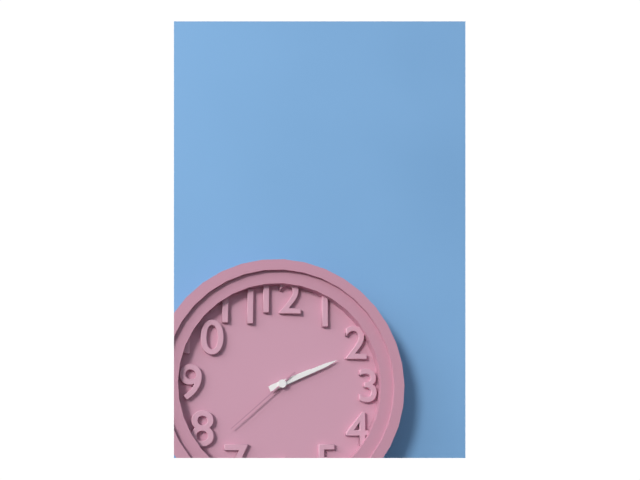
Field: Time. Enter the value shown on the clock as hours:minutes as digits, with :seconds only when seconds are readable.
2:11:38
